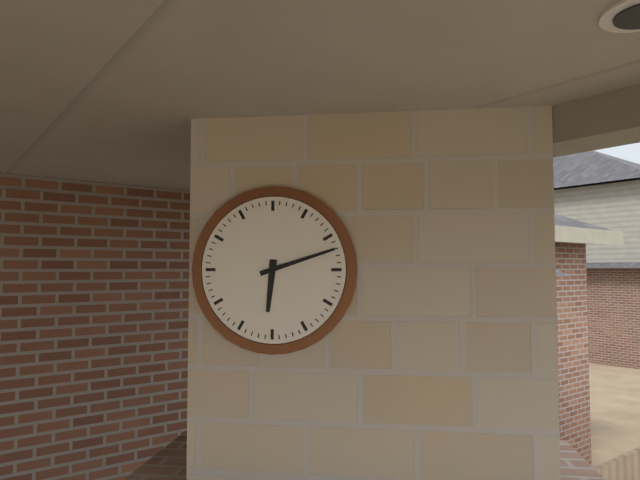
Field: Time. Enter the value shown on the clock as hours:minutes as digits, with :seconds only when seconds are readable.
6:12
